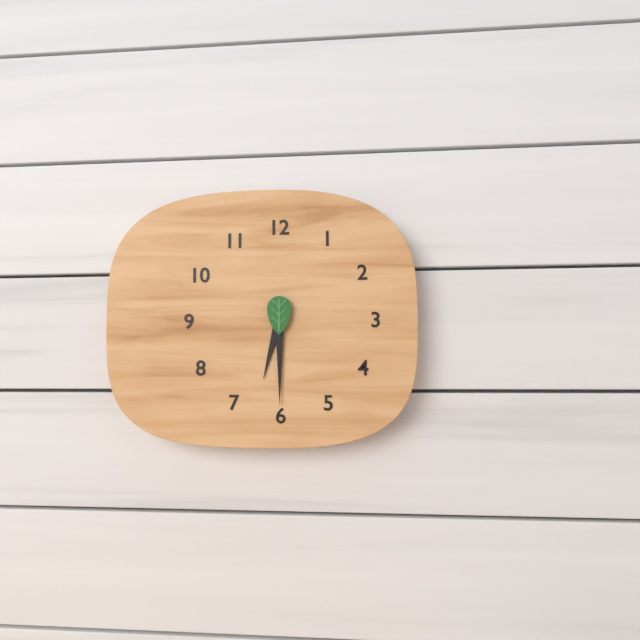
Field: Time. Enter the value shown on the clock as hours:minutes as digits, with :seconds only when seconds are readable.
6:30
